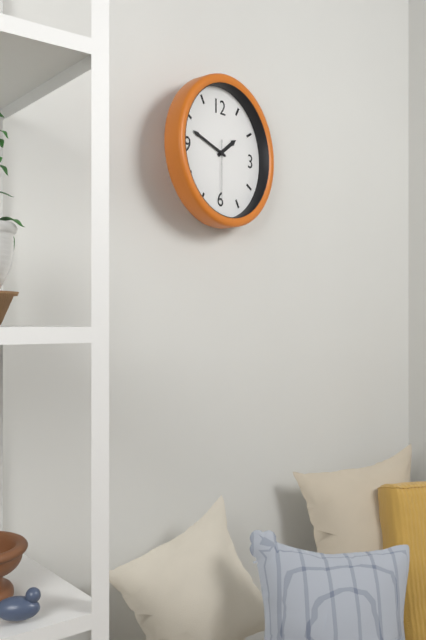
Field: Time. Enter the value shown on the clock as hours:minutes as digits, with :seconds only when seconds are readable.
1:48:30
